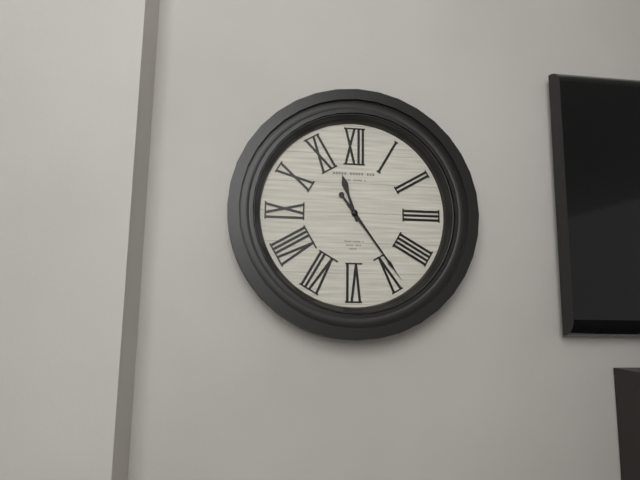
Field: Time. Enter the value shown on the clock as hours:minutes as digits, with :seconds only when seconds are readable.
11:24
